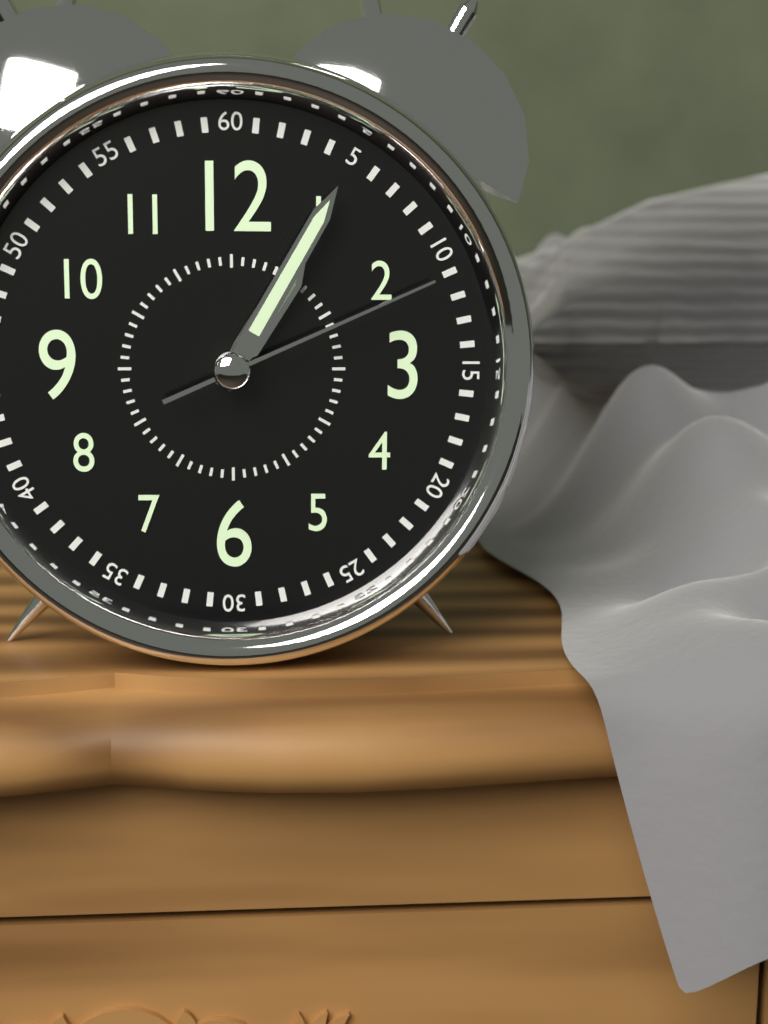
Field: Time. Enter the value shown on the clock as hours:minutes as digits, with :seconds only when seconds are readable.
1:05:11
